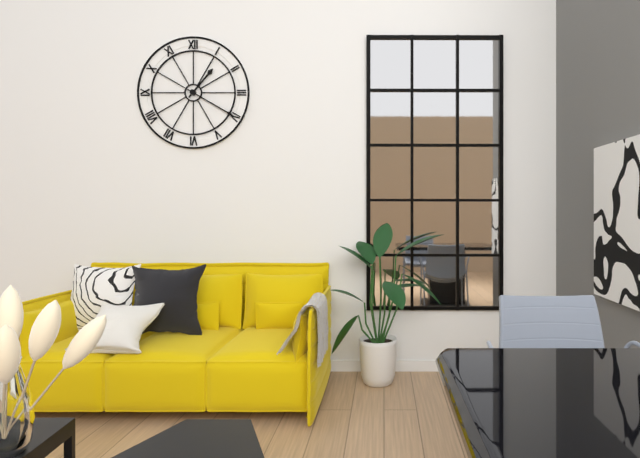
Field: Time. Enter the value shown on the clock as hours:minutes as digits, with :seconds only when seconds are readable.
1:20
